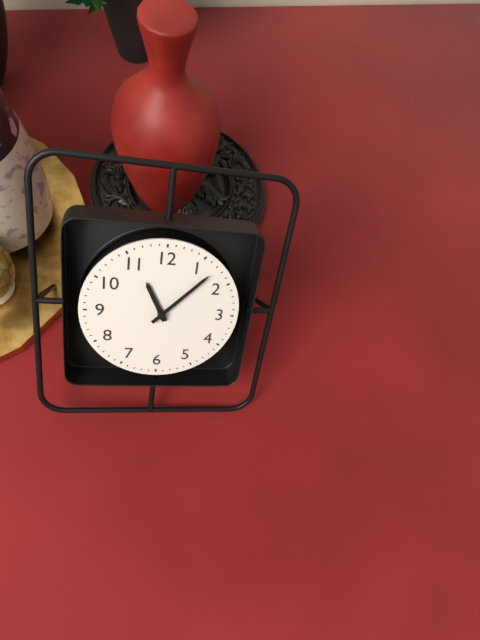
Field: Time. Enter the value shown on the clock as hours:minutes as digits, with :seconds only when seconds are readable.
11:07
